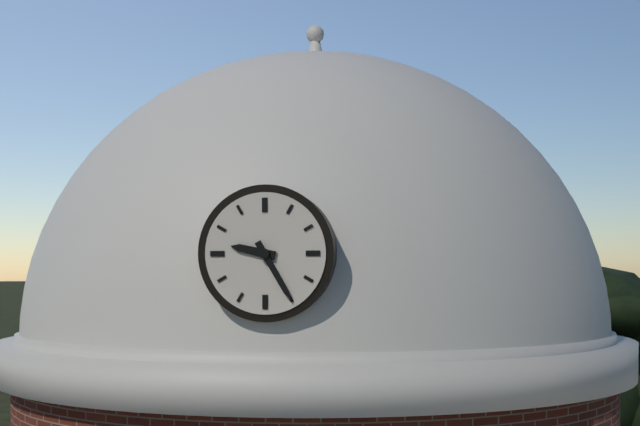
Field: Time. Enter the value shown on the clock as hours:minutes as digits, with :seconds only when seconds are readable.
9:25
